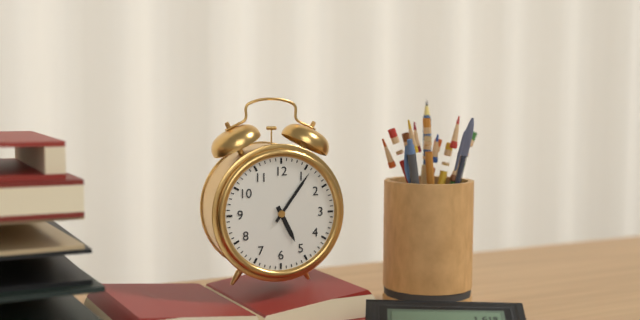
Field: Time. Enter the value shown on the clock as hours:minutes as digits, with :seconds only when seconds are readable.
5:06
